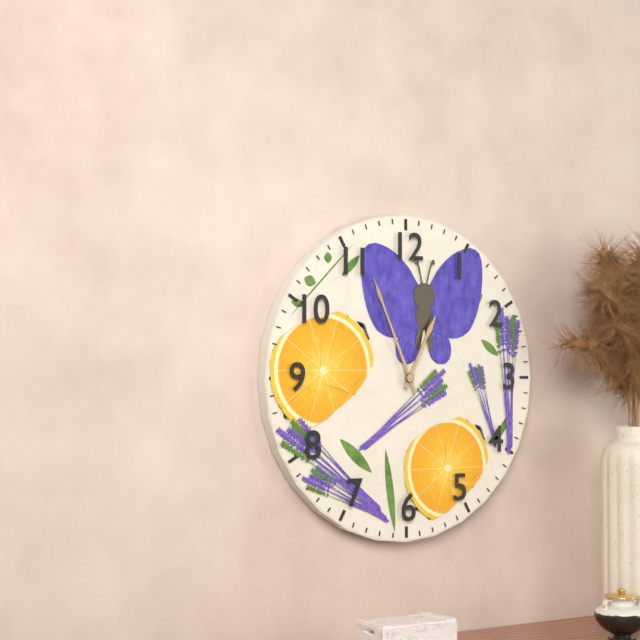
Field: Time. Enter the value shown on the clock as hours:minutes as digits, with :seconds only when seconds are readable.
12:56
